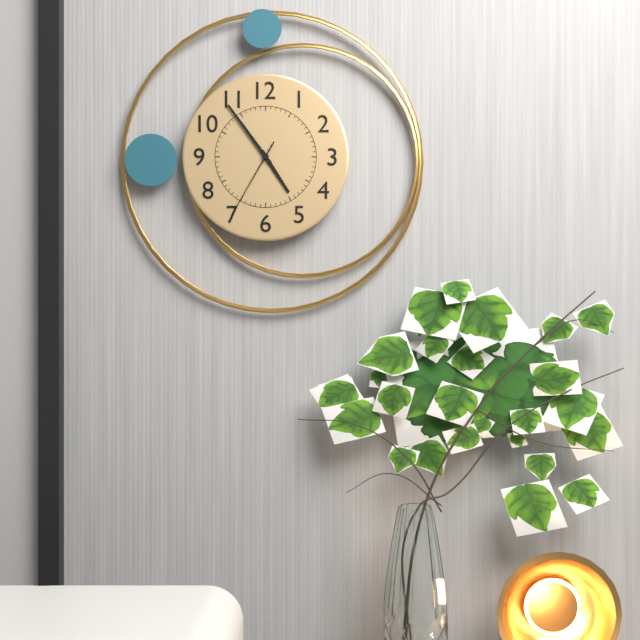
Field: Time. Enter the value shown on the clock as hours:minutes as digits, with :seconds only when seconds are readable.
4:54:35
